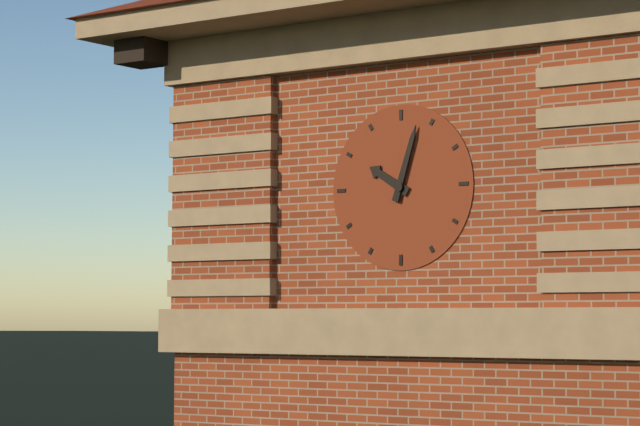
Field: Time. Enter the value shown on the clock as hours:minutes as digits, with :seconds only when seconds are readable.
10:03
